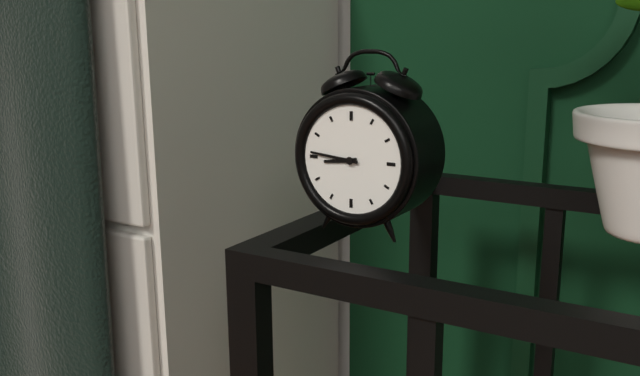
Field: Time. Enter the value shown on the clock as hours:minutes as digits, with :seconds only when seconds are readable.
8:46
